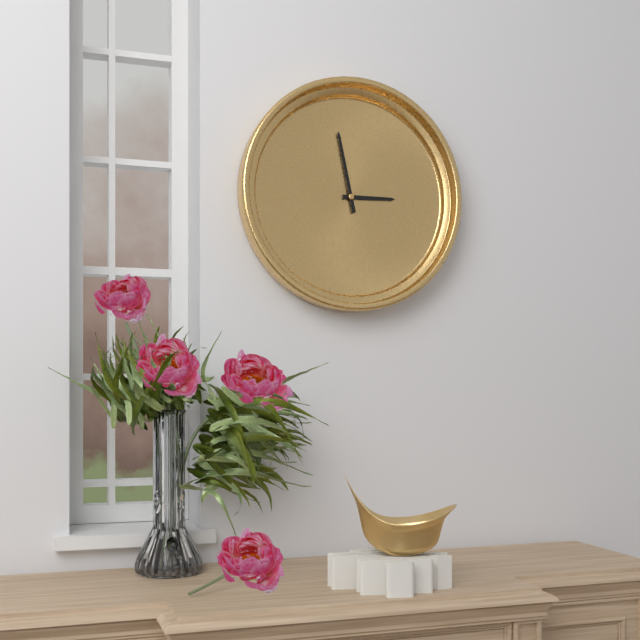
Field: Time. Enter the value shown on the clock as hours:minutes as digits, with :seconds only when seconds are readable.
2:58
